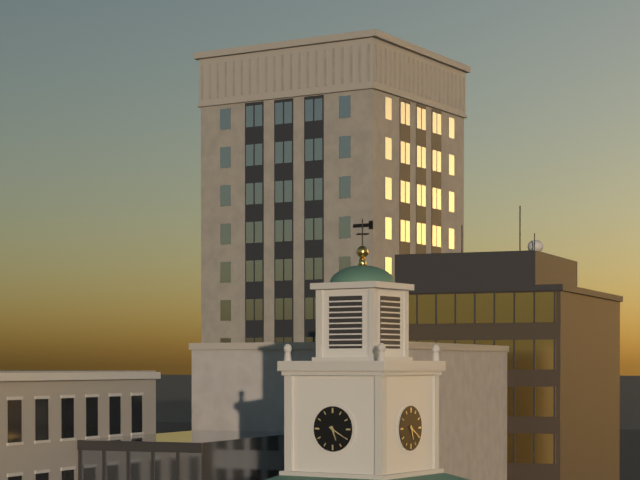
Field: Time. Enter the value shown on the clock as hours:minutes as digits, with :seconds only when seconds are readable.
5:20
